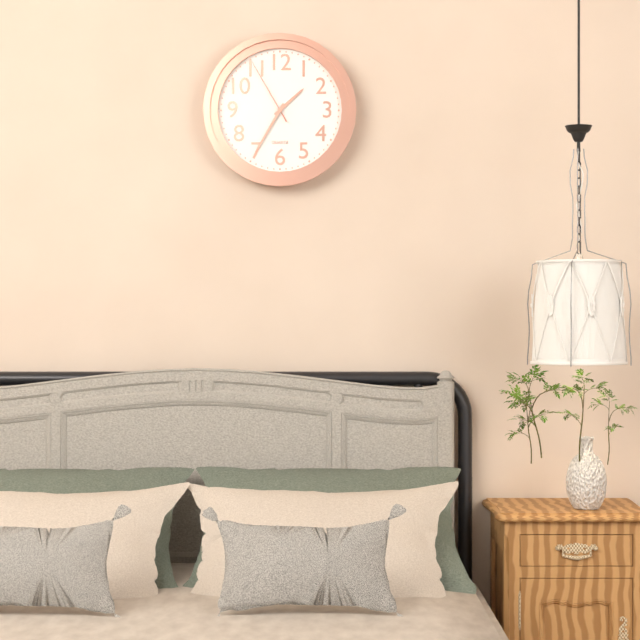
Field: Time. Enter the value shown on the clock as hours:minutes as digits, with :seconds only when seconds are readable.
1:35:55
